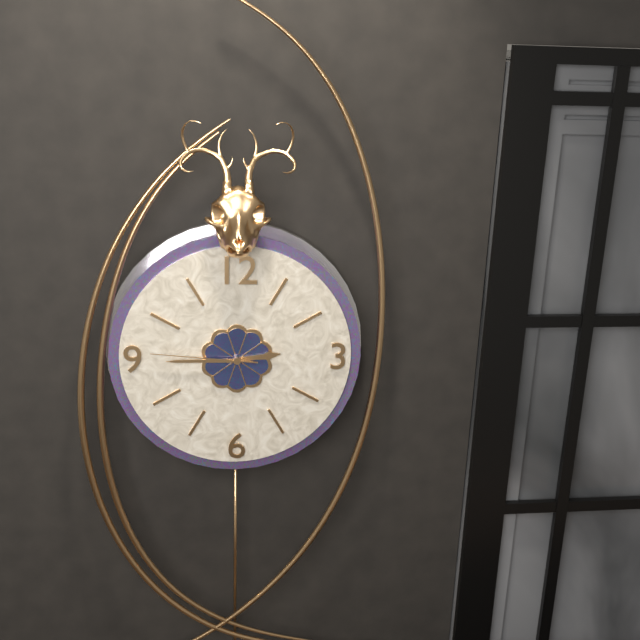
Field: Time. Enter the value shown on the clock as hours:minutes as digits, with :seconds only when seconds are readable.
2:45:46
